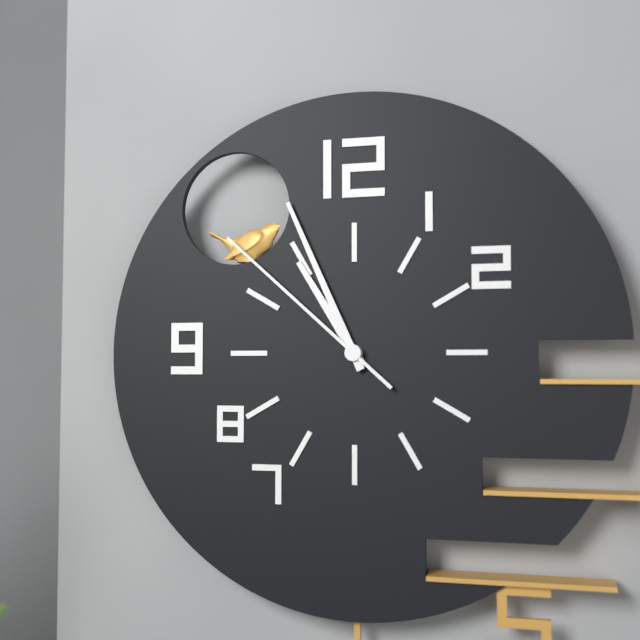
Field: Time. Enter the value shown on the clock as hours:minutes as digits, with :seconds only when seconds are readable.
10:56:52
